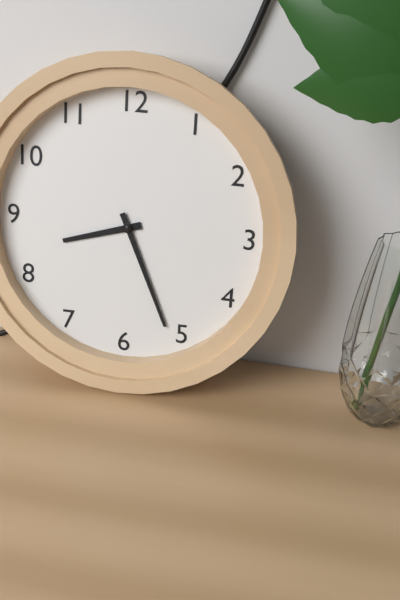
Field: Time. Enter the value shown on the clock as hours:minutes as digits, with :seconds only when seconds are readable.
8:26
